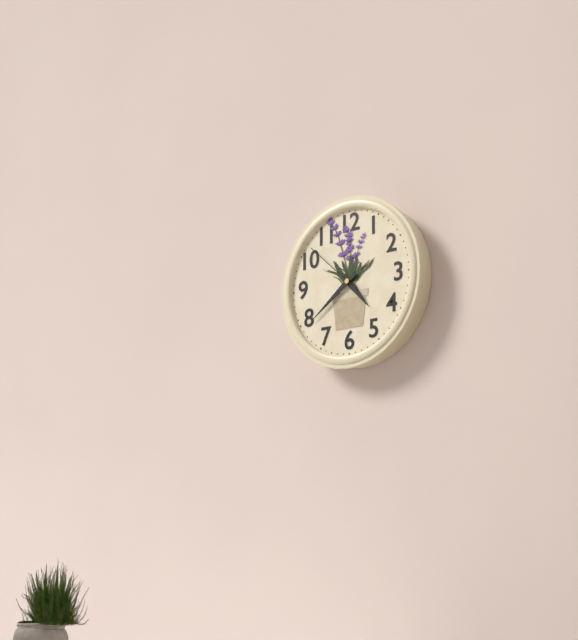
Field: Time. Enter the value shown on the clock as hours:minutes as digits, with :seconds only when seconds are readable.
4:39:52
